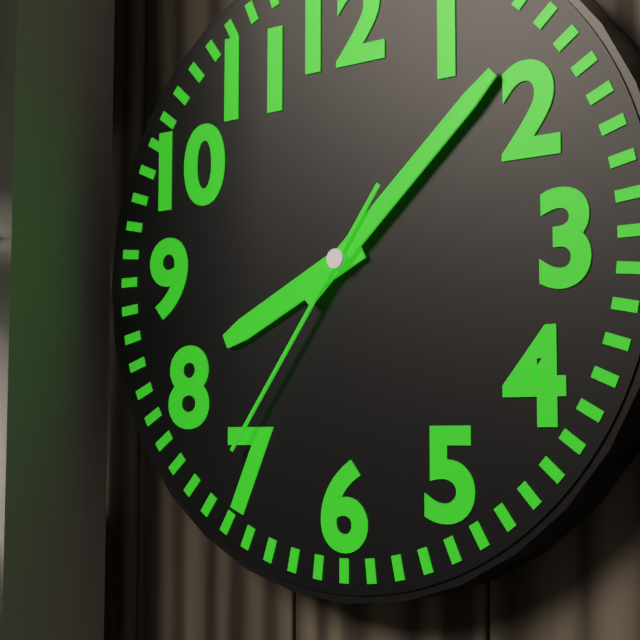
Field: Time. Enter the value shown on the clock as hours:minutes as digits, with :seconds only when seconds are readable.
8:08:36
